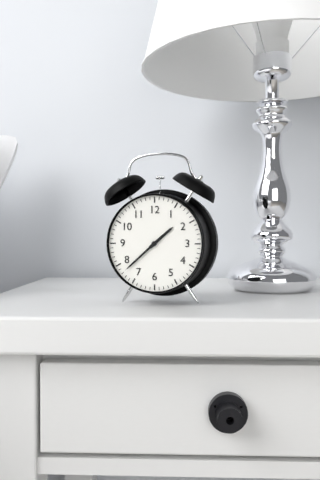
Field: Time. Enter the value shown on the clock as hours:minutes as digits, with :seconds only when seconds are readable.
1:38
